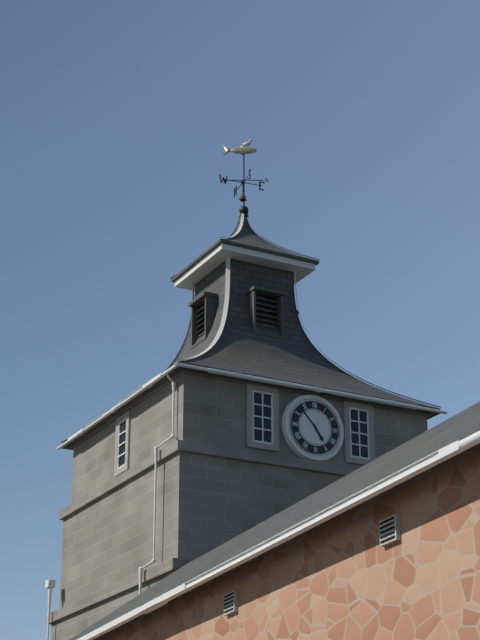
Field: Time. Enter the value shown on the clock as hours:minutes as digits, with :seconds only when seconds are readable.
4:53
